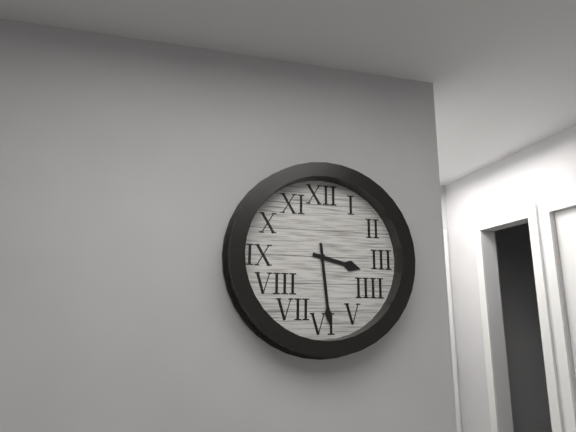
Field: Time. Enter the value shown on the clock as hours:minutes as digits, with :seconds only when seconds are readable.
3:29
